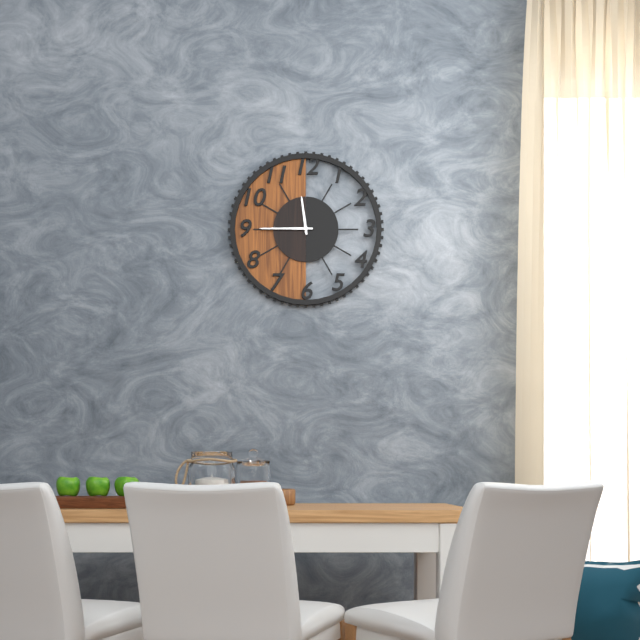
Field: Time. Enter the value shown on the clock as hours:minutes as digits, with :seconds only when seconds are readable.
11:45
